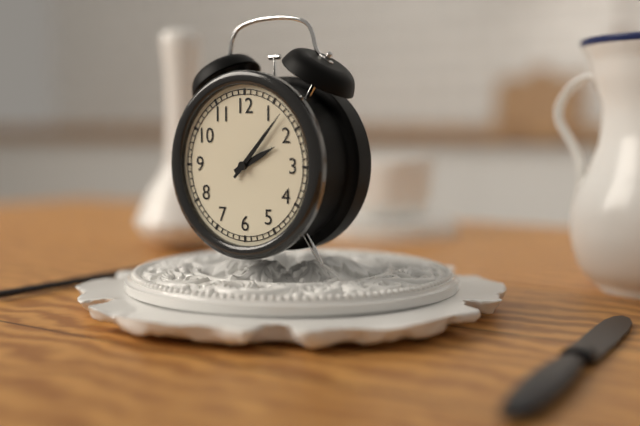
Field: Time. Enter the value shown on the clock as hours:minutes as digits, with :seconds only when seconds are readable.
2:07
